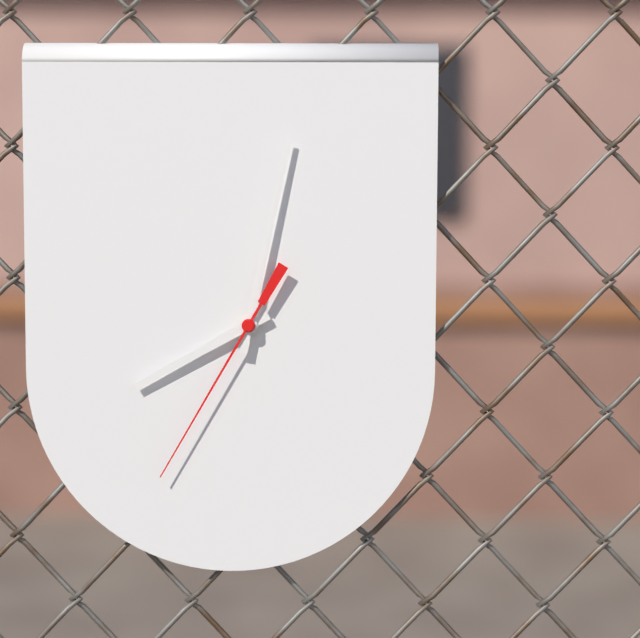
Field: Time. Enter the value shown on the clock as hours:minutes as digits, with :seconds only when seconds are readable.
8:02:35
